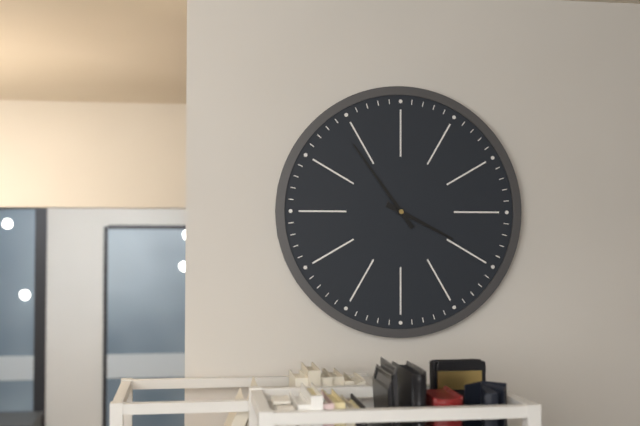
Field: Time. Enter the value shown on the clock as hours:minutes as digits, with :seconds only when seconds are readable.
3:54
